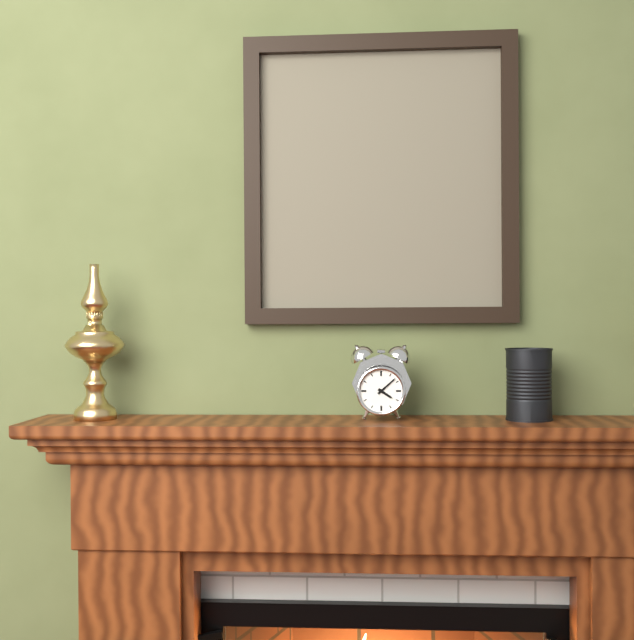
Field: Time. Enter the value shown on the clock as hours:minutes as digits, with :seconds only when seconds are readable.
4:08
